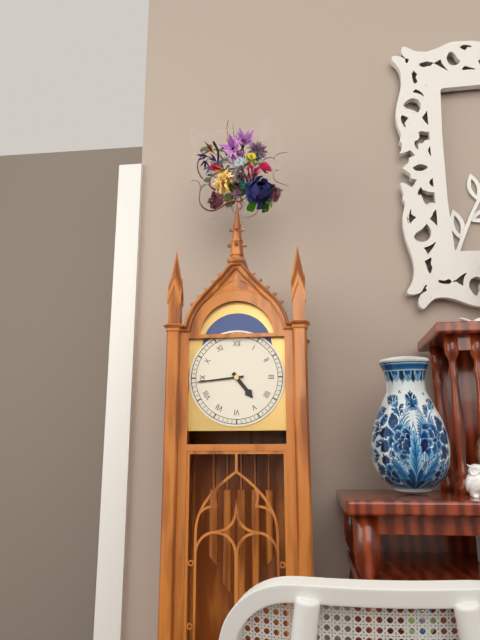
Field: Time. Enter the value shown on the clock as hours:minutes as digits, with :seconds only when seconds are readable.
4:44
